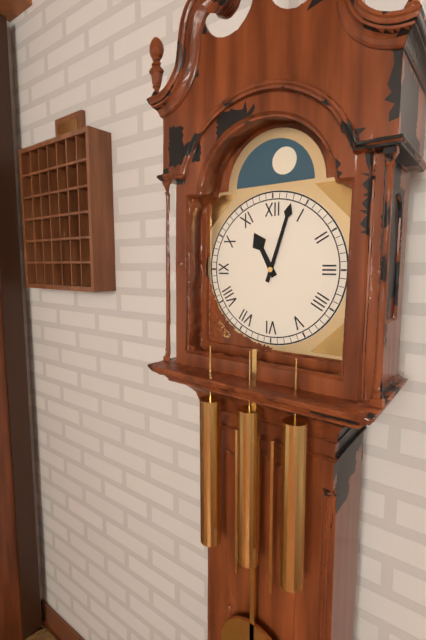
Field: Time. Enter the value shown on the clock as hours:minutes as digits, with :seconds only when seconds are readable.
11:03
